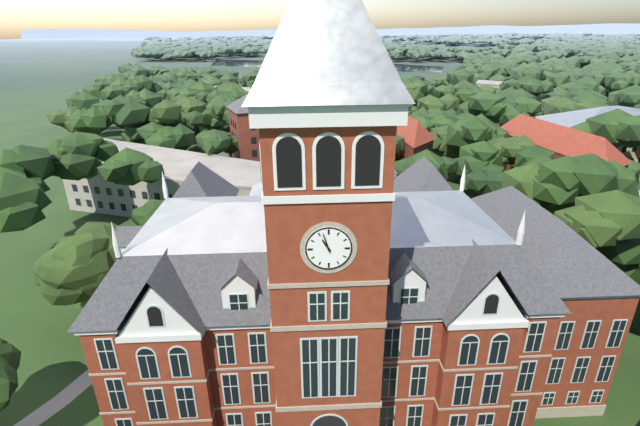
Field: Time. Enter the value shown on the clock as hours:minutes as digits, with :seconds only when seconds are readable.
10:57
